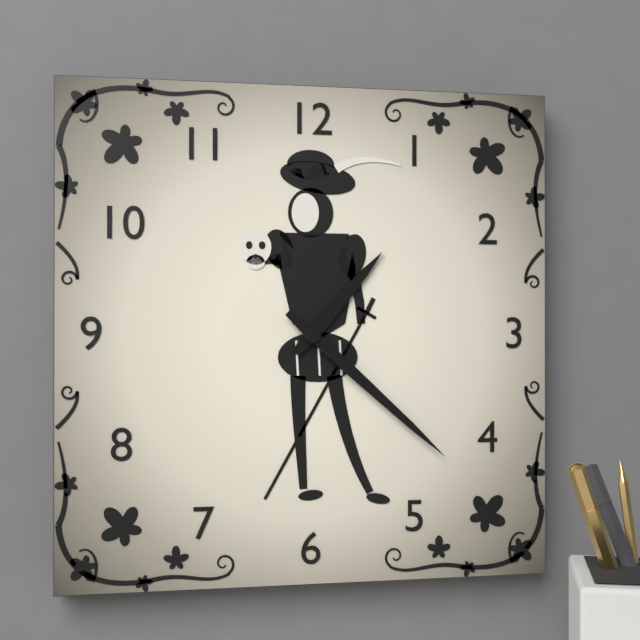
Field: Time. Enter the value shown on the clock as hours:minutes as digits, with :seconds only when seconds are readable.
1:22
